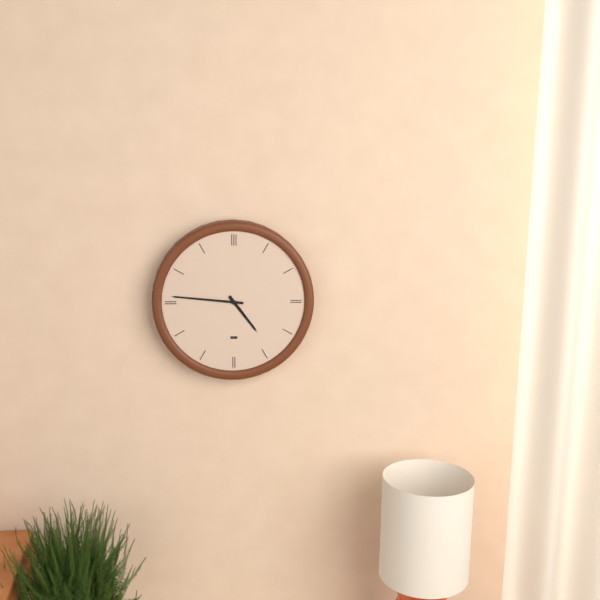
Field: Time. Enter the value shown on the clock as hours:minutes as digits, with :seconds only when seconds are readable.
4:46
